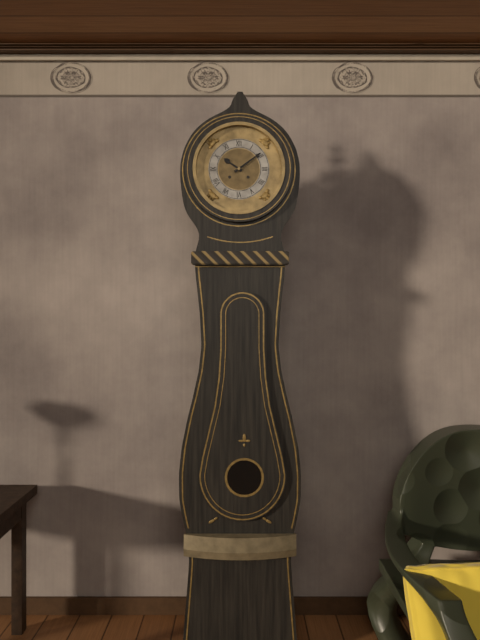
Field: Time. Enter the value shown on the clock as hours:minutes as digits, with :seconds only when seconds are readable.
10:09
